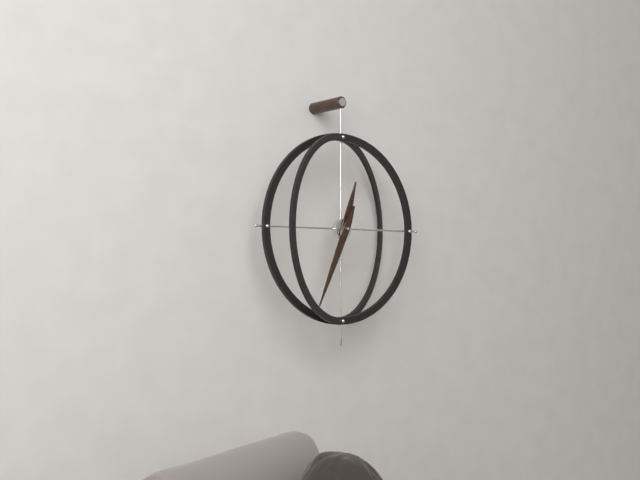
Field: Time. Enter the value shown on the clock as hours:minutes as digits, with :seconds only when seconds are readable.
12:34
